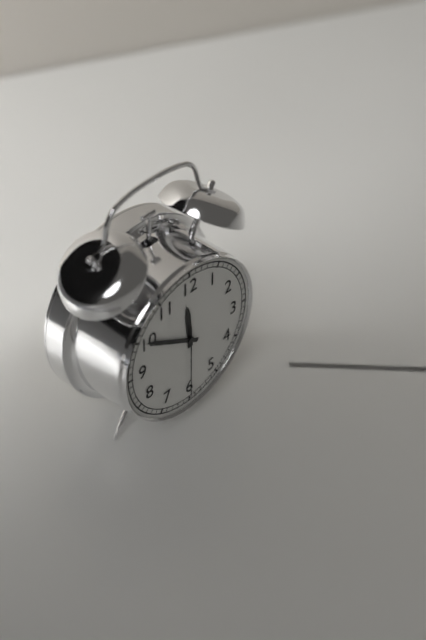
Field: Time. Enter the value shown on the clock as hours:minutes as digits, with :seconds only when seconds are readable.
11:50:30
